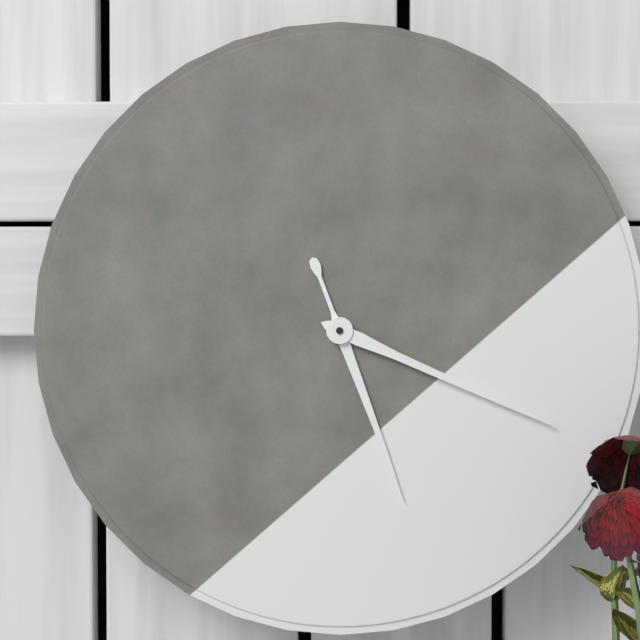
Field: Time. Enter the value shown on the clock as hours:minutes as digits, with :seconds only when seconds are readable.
5:19
